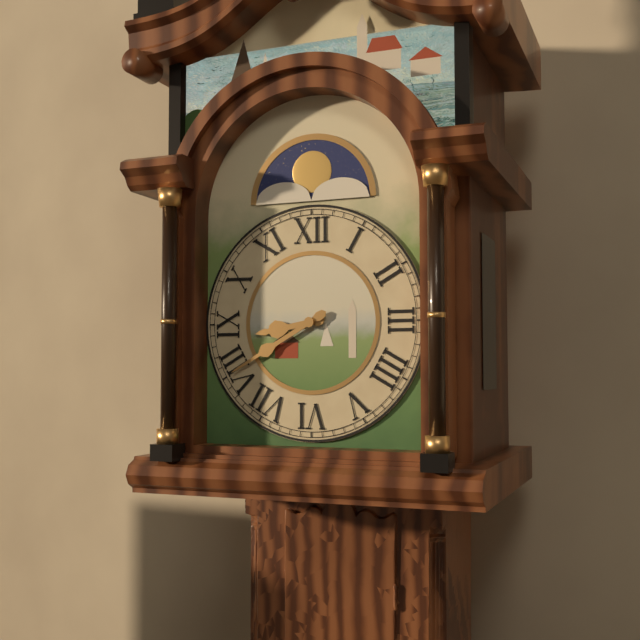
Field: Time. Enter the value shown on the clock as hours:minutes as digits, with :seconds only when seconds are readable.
8:40
